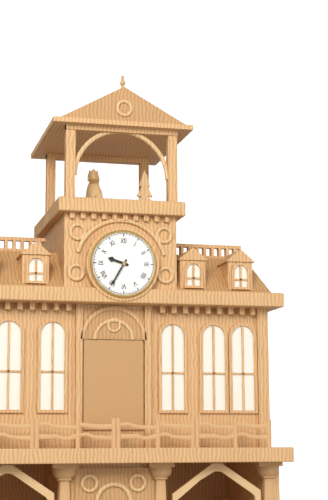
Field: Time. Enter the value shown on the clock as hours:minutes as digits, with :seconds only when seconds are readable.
9:35
